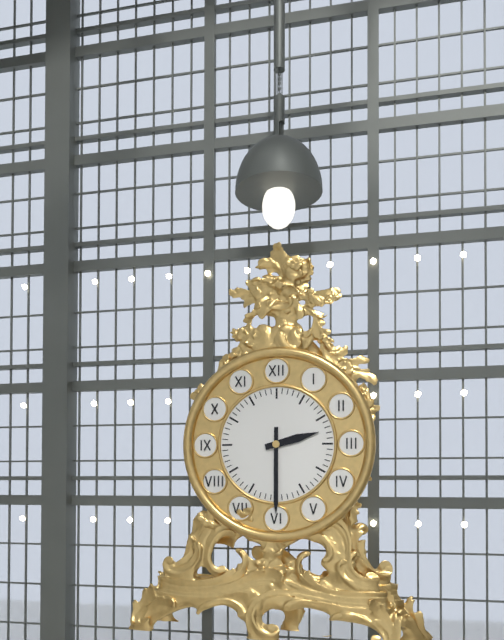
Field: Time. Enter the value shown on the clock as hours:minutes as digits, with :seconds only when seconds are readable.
2:30
